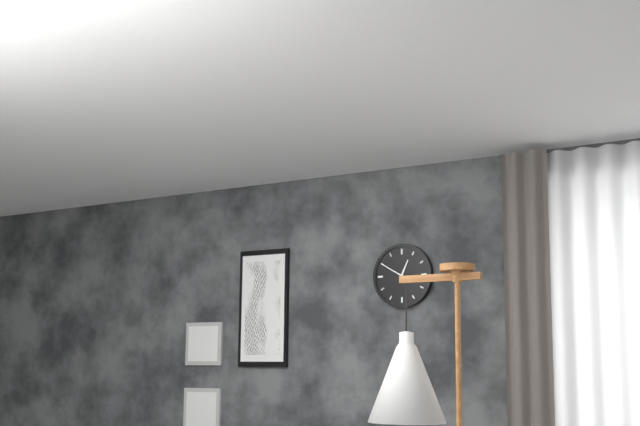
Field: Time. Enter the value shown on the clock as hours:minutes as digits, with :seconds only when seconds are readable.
12:50
